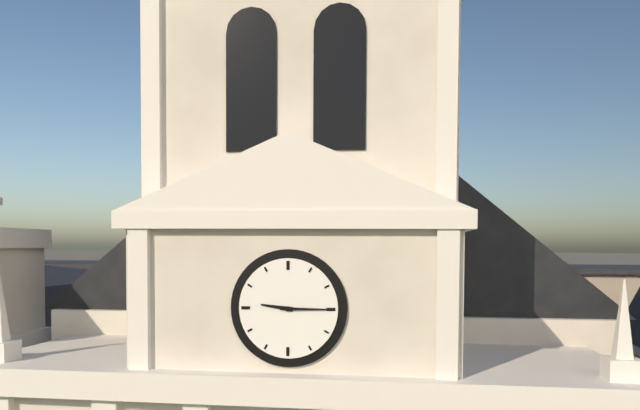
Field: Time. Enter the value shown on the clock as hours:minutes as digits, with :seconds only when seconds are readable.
9:15
